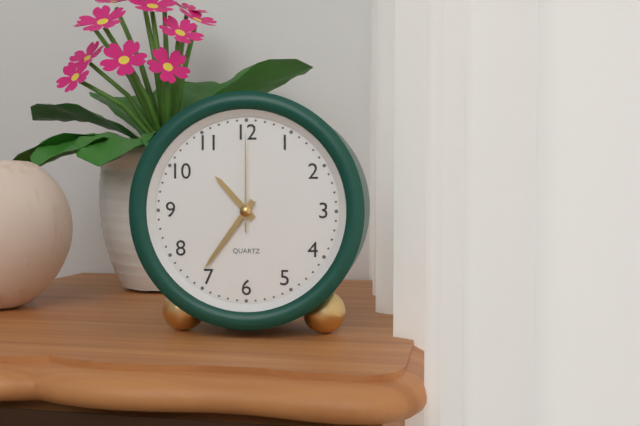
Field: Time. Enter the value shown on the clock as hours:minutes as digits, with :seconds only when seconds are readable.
10:36:00
